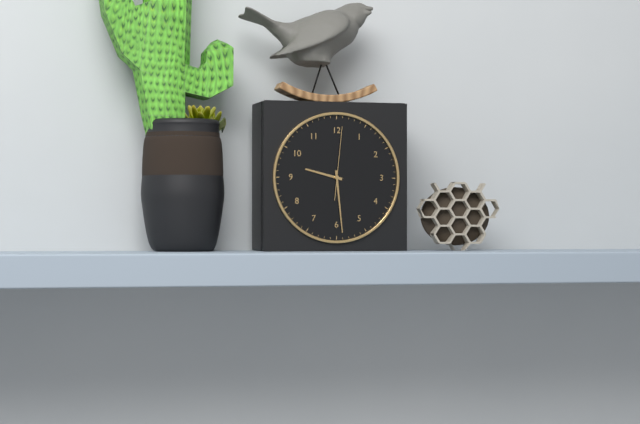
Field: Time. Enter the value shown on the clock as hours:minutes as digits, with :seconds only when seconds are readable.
9:29:01
